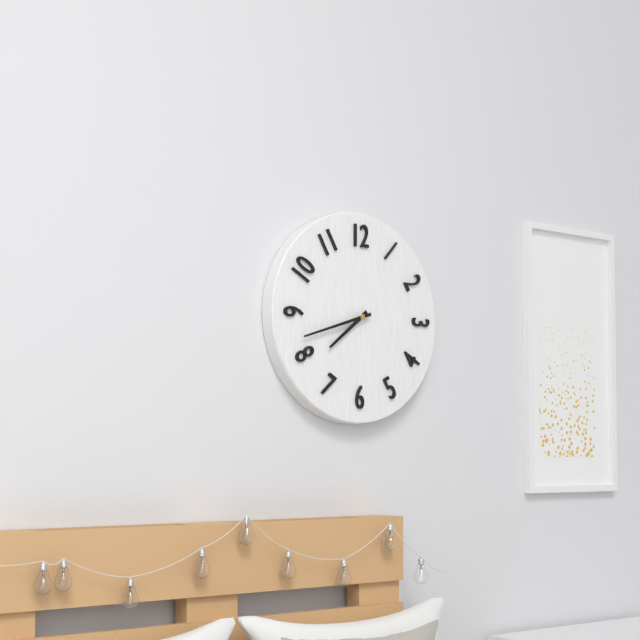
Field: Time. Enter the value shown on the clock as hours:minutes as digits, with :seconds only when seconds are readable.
7:42
